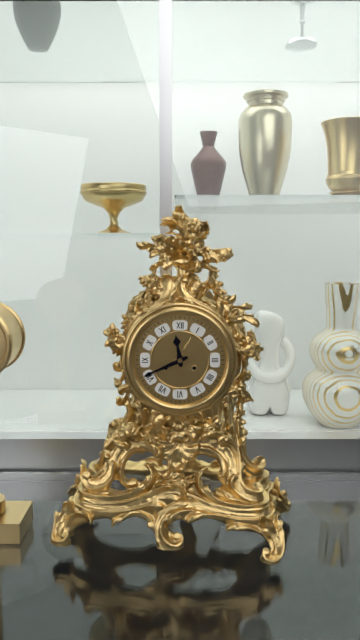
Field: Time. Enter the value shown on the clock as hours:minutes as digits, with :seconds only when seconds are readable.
11:41
